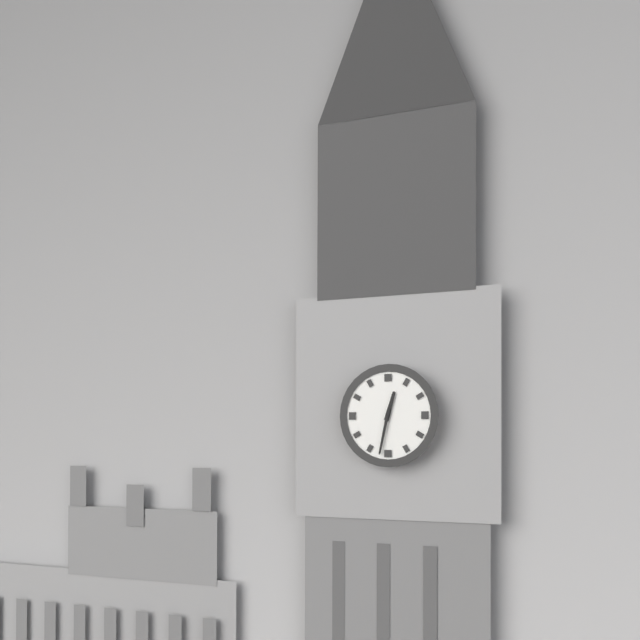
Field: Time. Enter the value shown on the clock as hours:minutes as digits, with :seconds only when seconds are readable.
12:32
